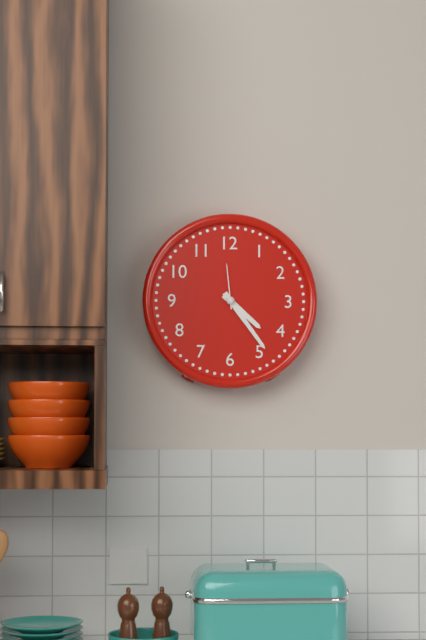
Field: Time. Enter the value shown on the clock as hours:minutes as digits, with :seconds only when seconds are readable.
4:24
